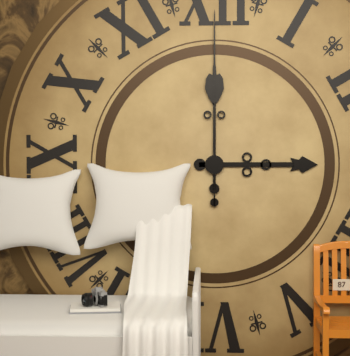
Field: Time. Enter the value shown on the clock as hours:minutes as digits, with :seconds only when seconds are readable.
3:00:00
